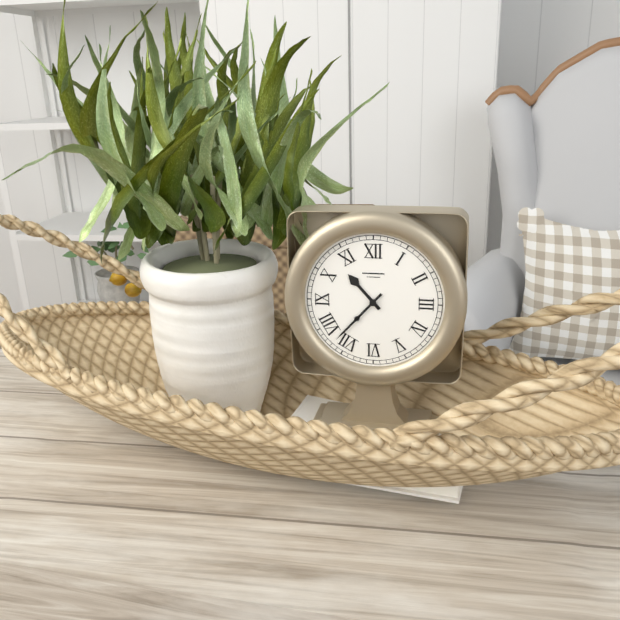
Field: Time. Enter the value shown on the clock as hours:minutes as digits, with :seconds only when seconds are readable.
10:37
